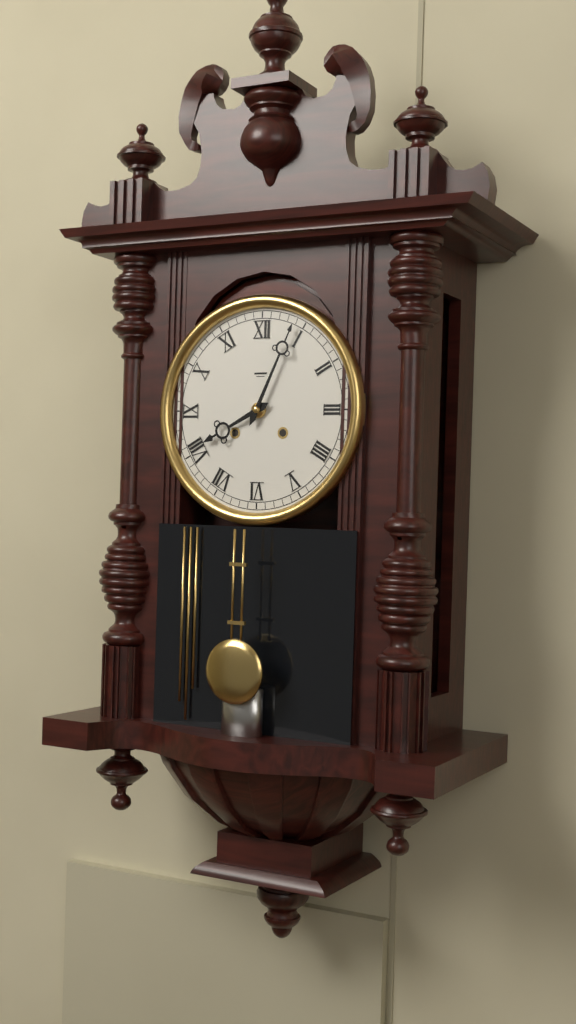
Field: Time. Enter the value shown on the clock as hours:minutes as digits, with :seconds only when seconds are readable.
8:04
